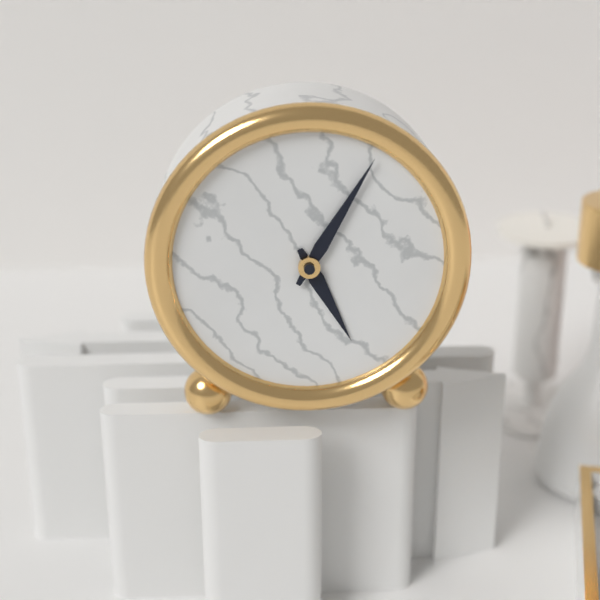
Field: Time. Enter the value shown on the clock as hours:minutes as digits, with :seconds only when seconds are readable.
5:05
